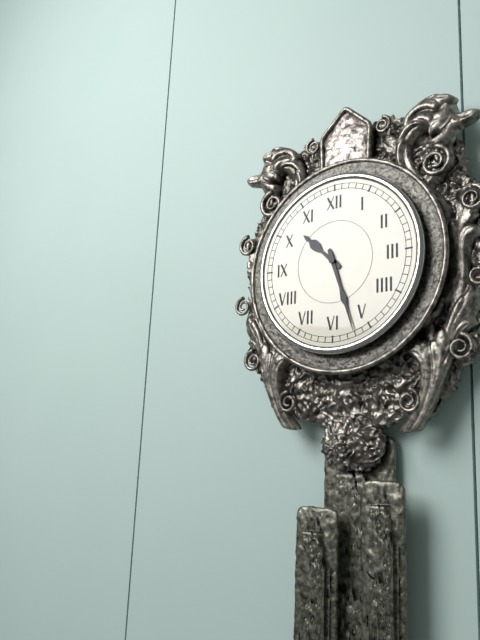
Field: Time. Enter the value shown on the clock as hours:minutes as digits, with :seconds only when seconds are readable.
10:27
